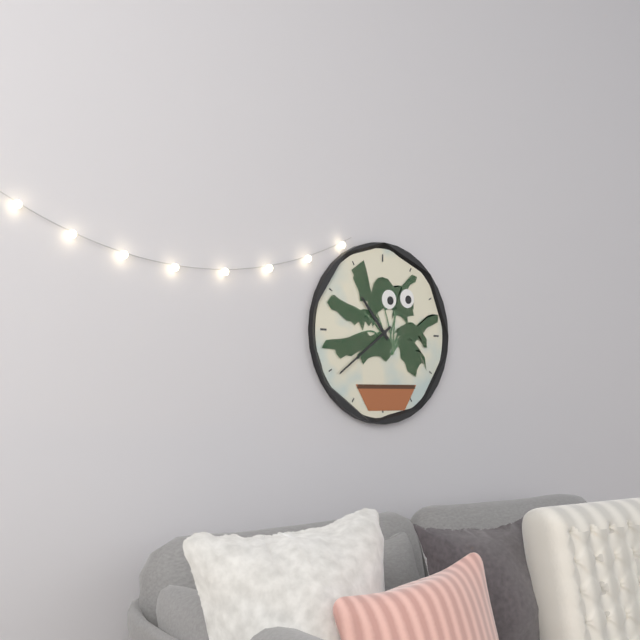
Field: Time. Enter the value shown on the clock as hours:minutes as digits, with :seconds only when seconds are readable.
10:39
